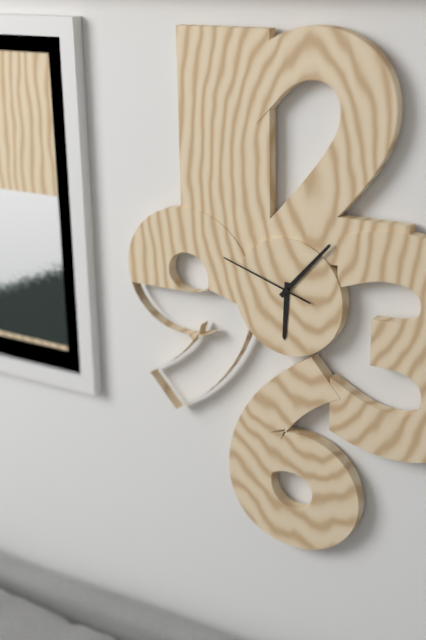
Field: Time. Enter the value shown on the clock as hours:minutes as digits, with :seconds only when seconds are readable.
6:07:48
